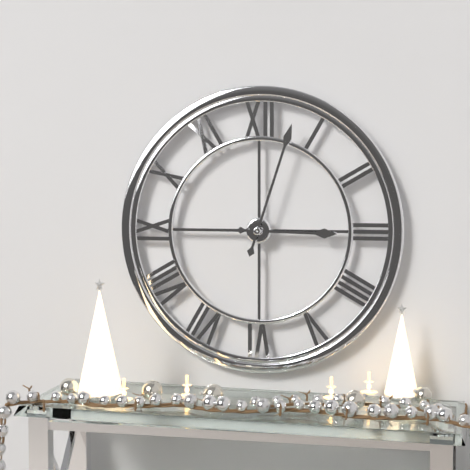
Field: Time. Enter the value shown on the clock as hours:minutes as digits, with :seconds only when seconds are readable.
3:03
